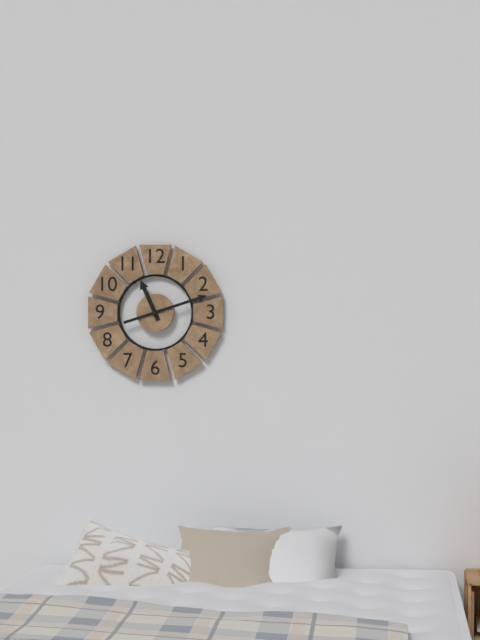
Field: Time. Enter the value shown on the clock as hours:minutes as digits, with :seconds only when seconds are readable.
11:12
